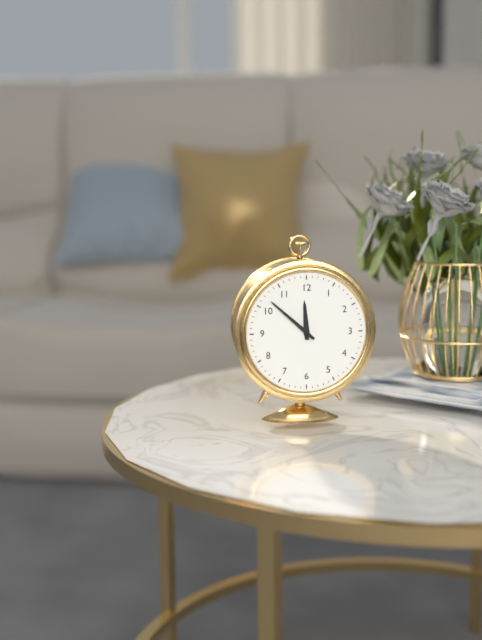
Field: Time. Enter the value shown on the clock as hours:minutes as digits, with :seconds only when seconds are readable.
11:52
